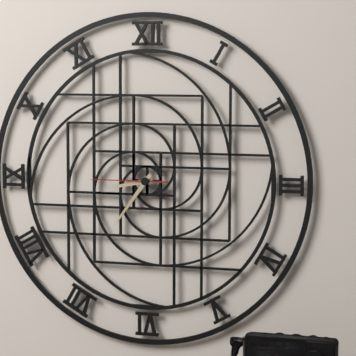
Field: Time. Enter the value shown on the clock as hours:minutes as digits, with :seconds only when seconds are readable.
8:36:45
